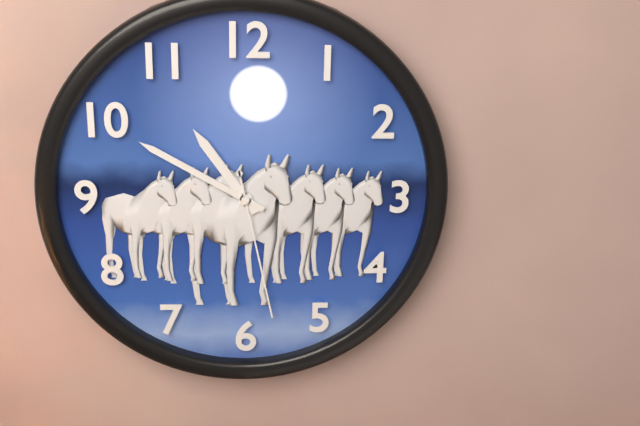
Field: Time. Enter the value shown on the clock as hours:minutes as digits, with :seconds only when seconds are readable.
10:50:28
